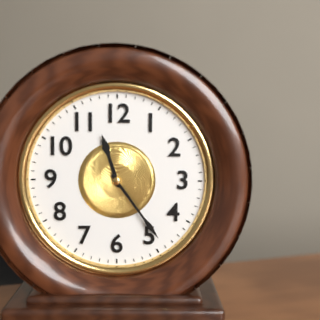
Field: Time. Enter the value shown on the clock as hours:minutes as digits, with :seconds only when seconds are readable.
11:24
